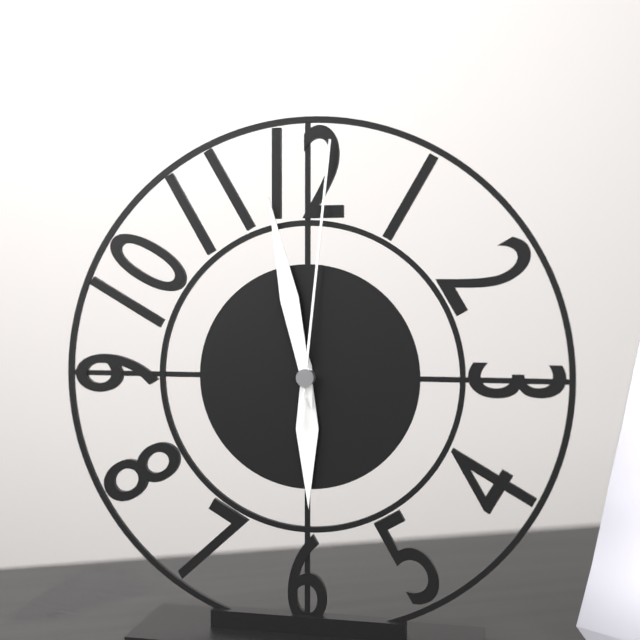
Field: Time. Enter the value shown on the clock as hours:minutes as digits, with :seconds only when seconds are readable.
5:58:01
